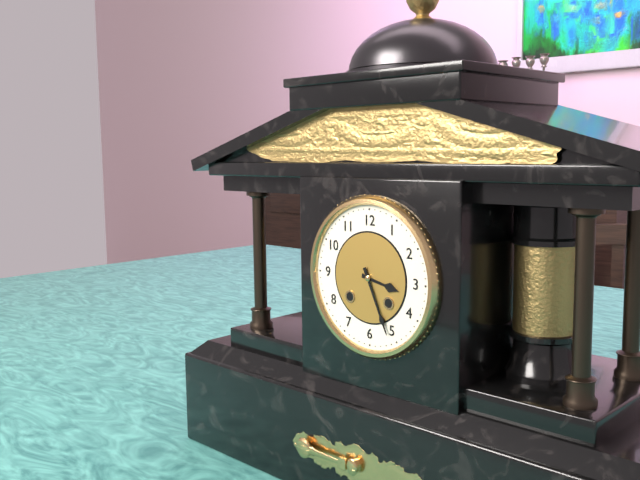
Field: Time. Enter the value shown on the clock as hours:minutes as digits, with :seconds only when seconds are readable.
3:26
